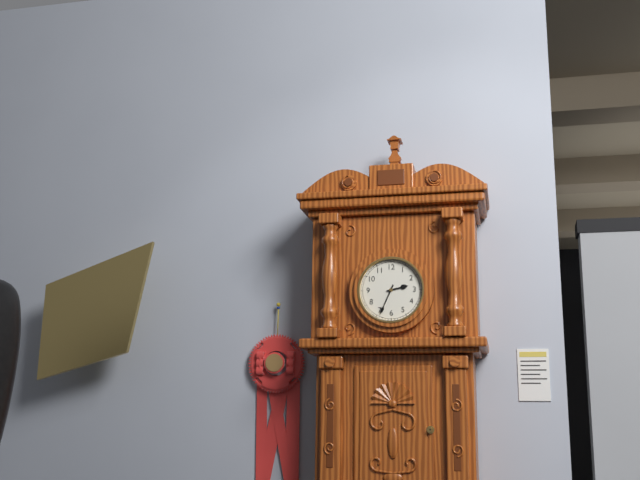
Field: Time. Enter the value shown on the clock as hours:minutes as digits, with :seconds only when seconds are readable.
2:34
